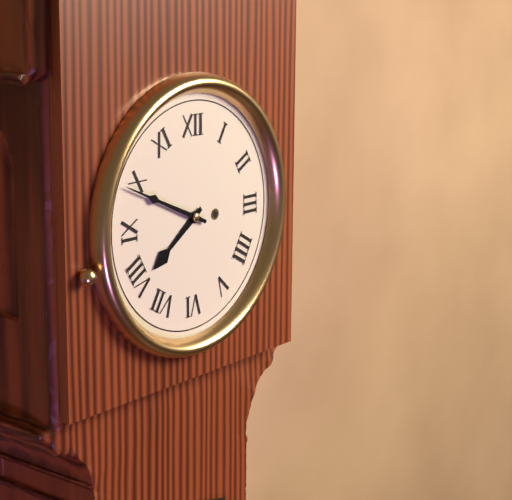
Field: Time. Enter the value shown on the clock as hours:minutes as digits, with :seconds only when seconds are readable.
7:49
